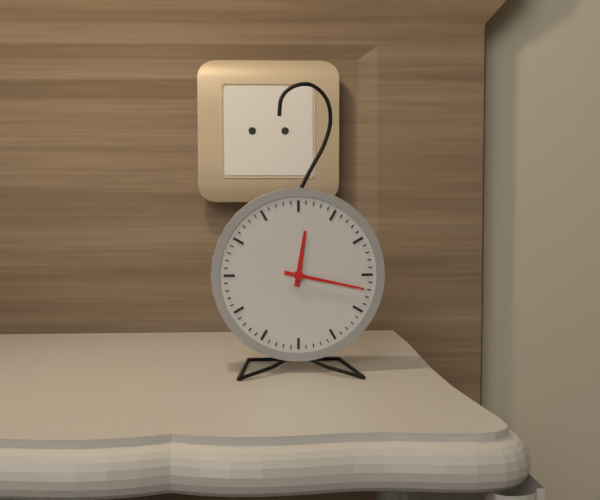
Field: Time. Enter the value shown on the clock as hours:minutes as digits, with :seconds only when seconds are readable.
12:17
